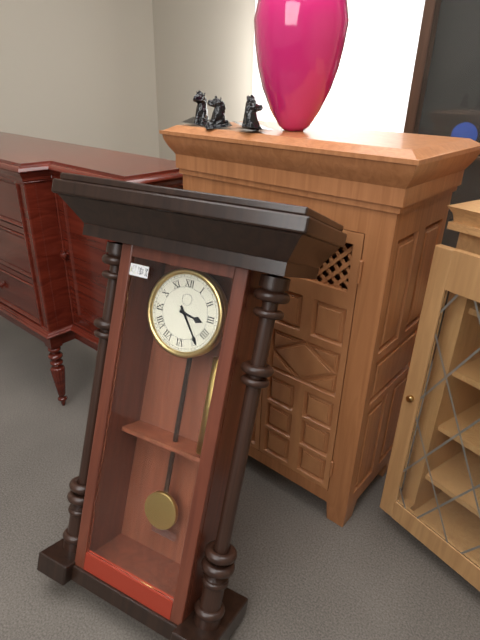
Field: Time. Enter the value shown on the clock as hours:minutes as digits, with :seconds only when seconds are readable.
3:24
